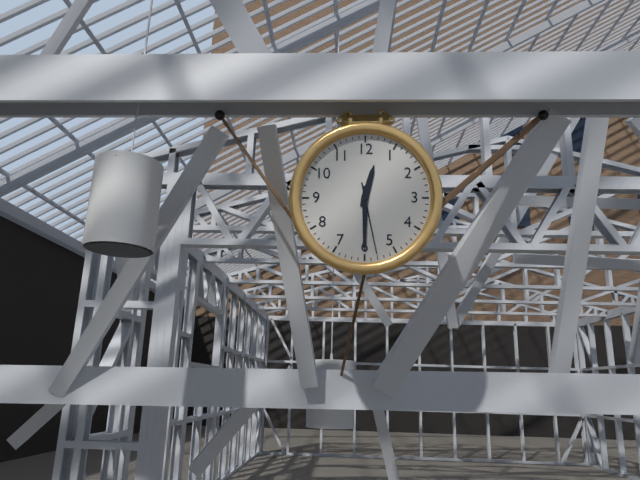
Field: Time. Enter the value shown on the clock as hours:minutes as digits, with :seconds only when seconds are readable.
12:30:28
